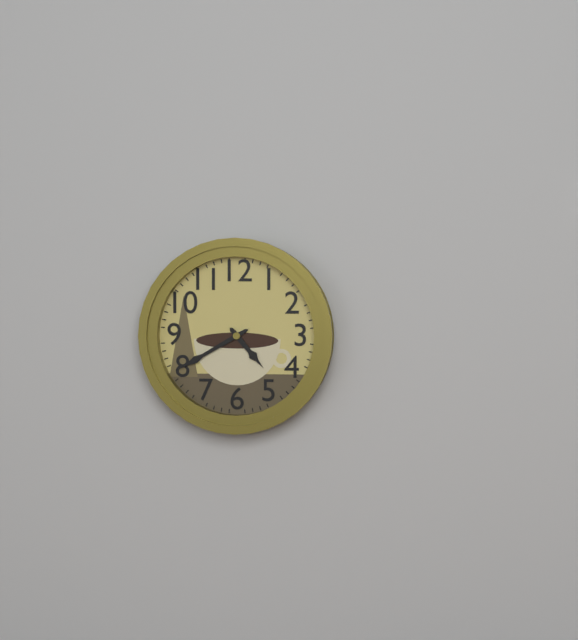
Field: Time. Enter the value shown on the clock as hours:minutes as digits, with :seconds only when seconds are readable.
4:40
